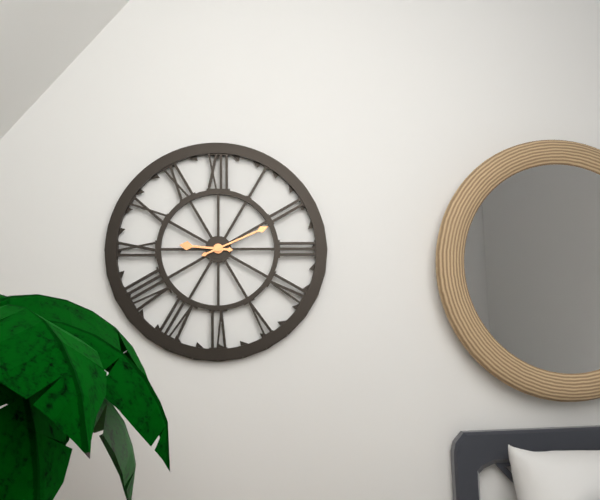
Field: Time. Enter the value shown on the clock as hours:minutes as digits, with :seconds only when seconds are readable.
9:11
